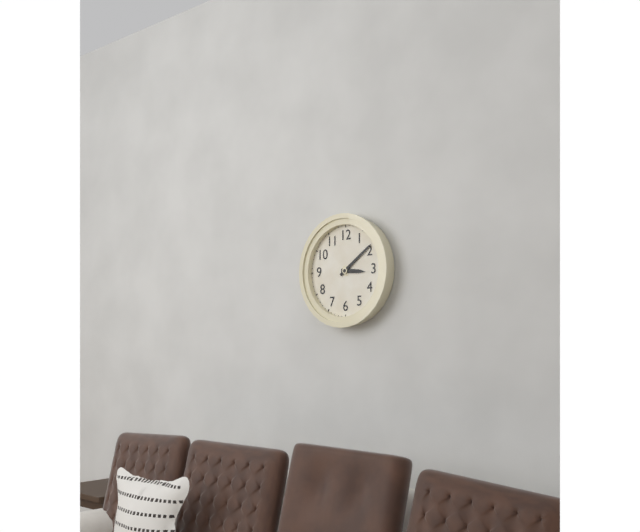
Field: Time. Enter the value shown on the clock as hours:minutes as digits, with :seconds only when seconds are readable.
3:09
